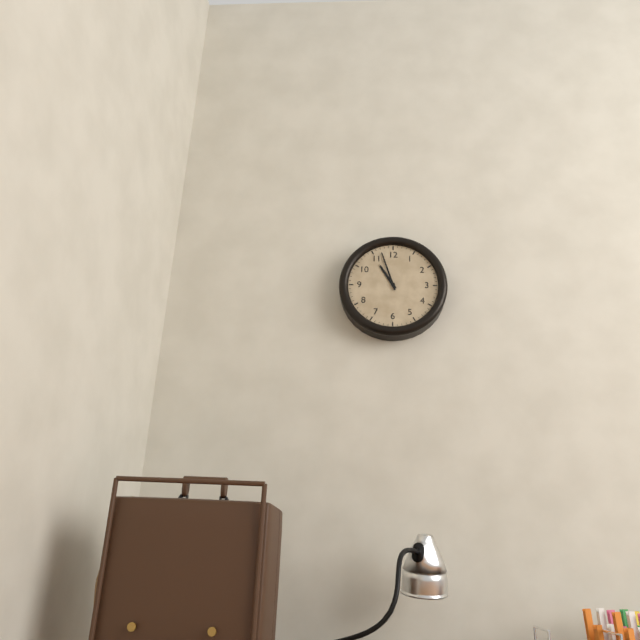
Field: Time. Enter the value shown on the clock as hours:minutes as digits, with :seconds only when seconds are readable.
10:57
